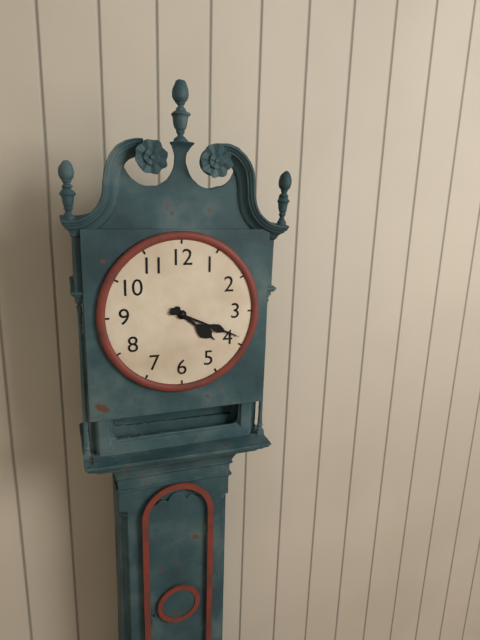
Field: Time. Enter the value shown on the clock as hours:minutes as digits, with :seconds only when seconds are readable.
4:19
